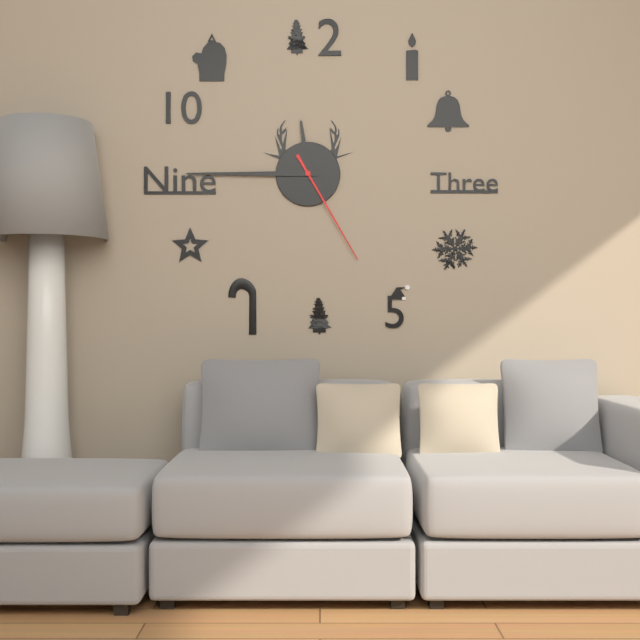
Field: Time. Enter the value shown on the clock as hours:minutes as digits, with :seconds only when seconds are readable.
11:45:25
